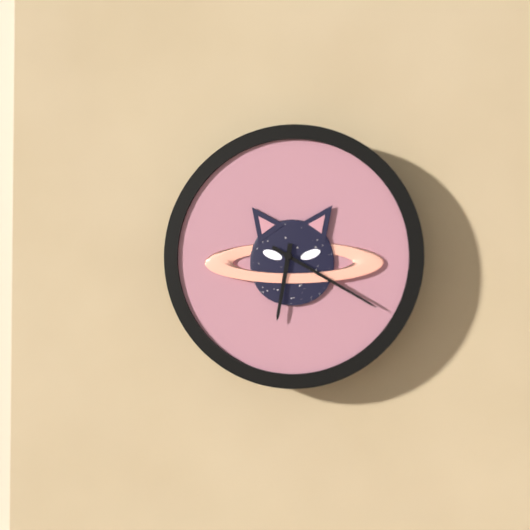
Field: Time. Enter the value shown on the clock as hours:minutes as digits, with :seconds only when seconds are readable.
6:20
